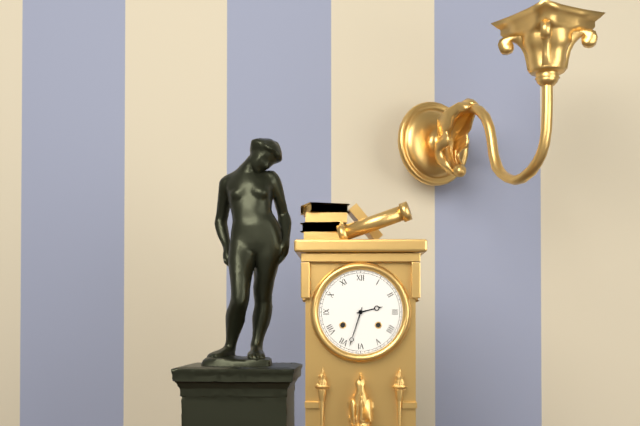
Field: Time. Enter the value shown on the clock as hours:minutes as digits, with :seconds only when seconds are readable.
2:33
